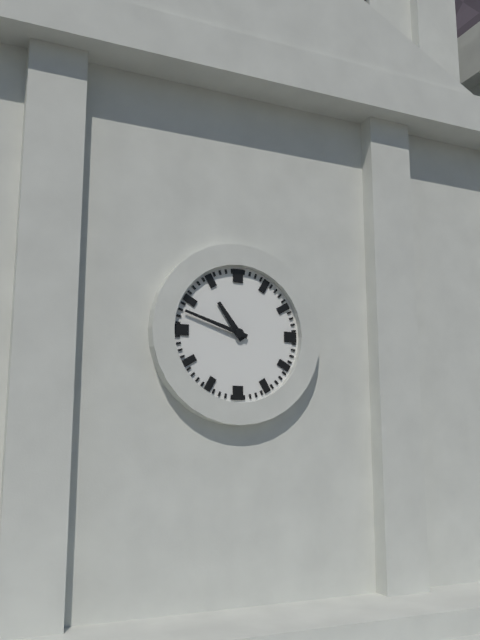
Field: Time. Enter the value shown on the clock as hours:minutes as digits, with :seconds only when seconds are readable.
10:48
